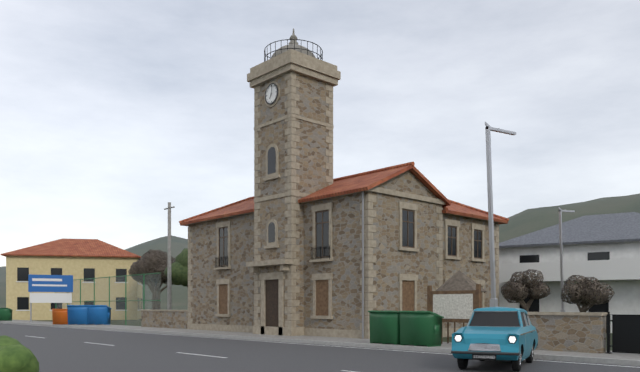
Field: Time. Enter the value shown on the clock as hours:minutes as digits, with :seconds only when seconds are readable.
7:02
